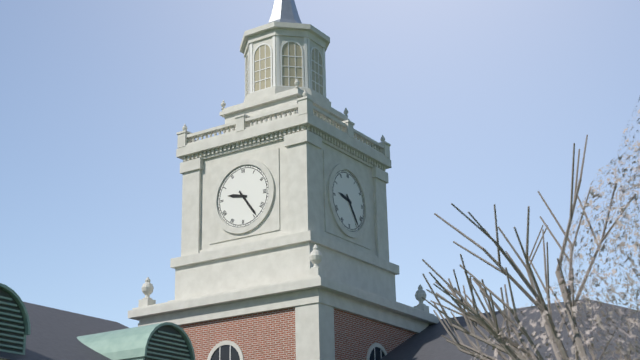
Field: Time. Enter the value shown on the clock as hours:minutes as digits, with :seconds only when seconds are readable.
9:24
